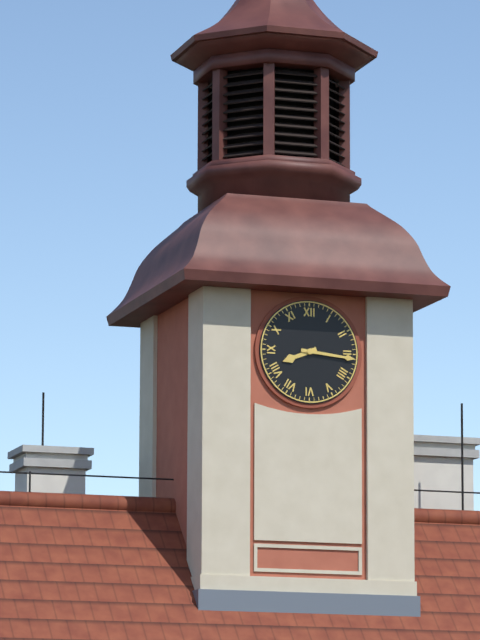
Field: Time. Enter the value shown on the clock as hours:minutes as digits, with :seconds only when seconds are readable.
8:16
